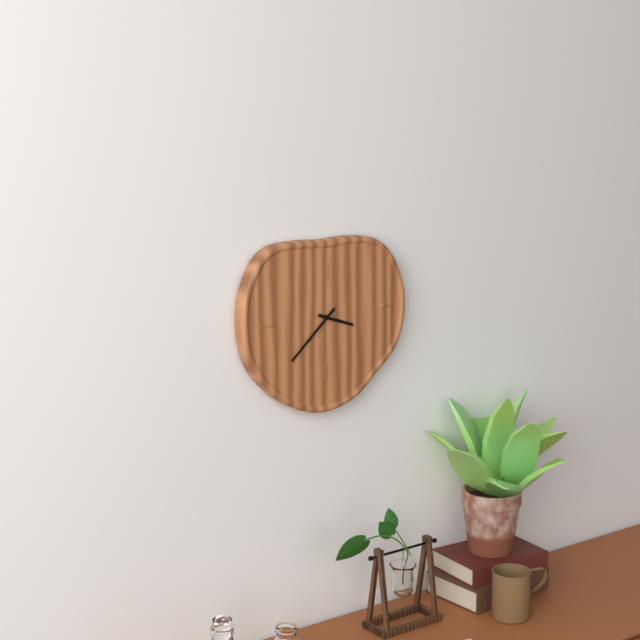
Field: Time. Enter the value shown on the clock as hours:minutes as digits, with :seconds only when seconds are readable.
3:38
